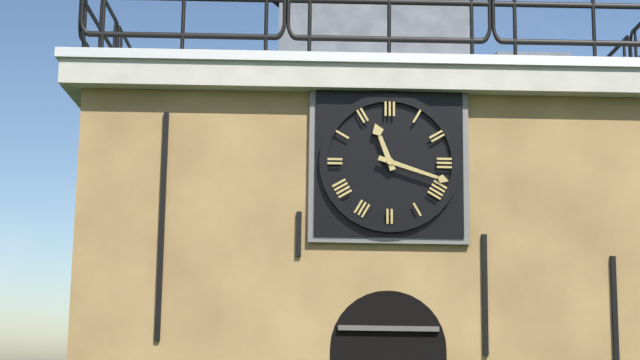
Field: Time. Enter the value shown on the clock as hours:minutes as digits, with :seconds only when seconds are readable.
11:18
